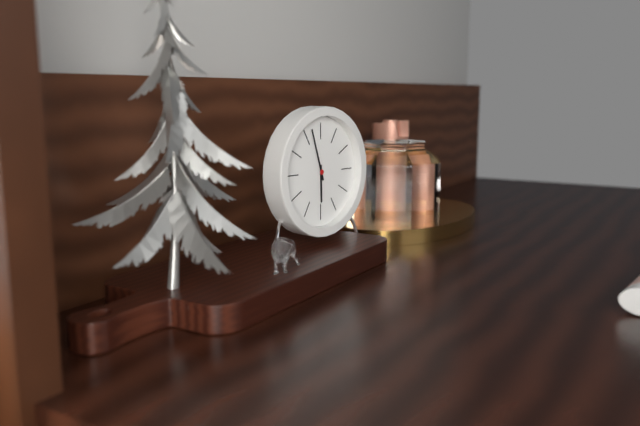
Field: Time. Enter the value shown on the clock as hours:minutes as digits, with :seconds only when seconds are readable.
5:57
